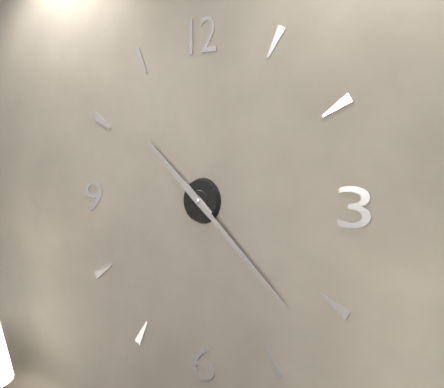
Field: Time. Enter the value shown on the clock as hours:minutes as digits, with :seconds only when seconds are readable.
10:22
